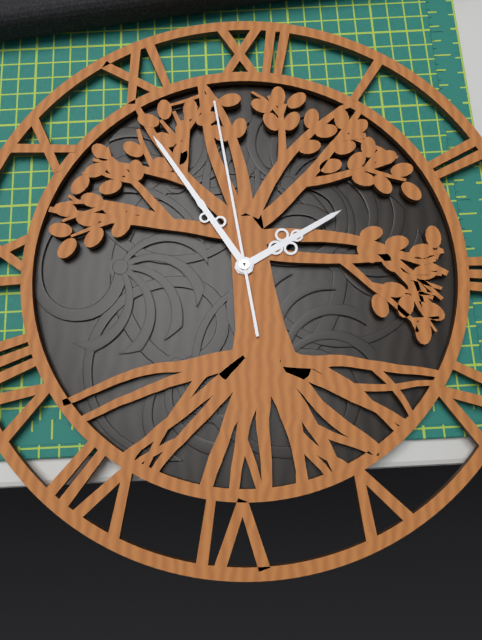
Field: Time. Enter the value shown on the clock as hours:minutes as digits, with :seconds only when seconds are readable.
1:54:58
